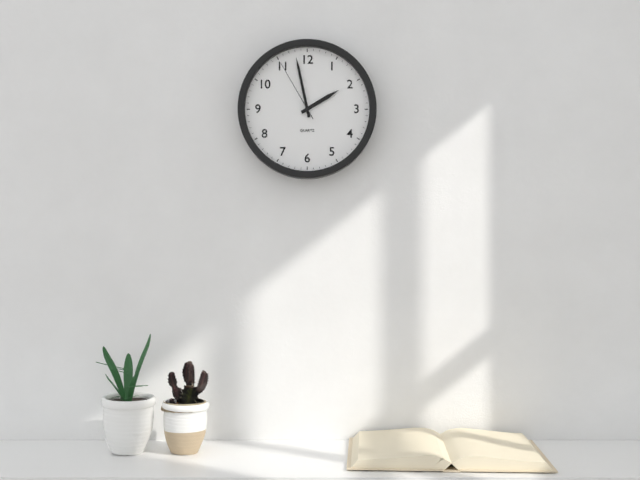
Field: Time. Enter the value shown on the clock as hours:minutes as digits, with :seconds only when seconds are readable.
1:58:55
